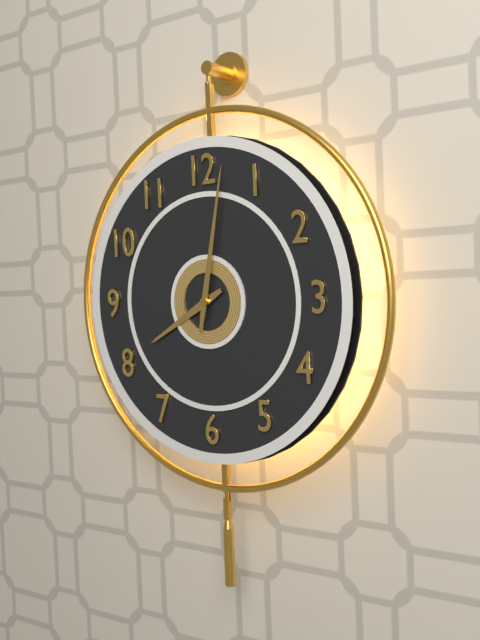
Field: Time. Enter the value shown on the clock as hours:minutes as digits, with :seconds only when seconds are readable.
8:02
